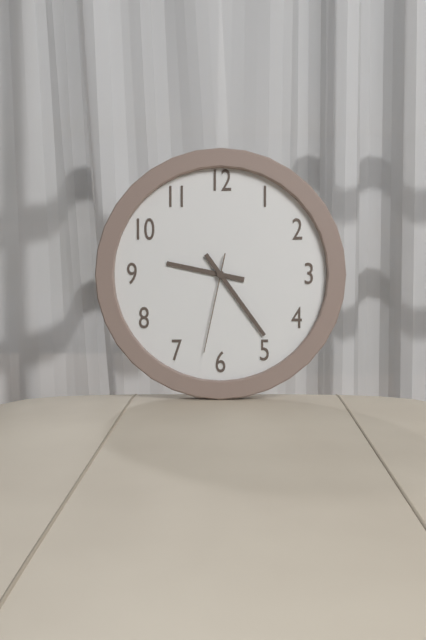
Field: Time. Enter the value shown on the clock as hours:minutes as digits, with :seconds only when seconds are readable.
9:24:32
